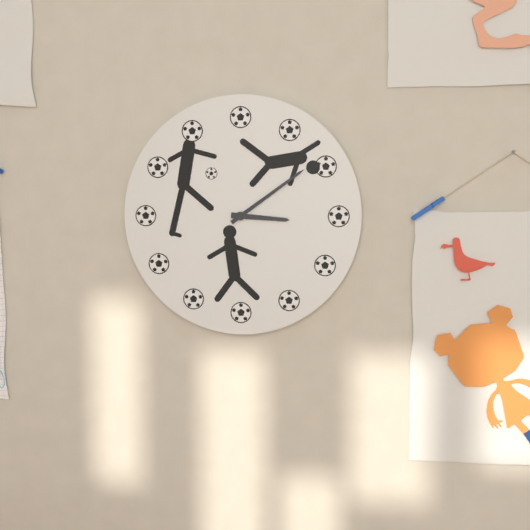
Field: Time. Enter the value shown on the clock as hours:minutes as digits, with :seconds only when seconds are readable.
3:09
